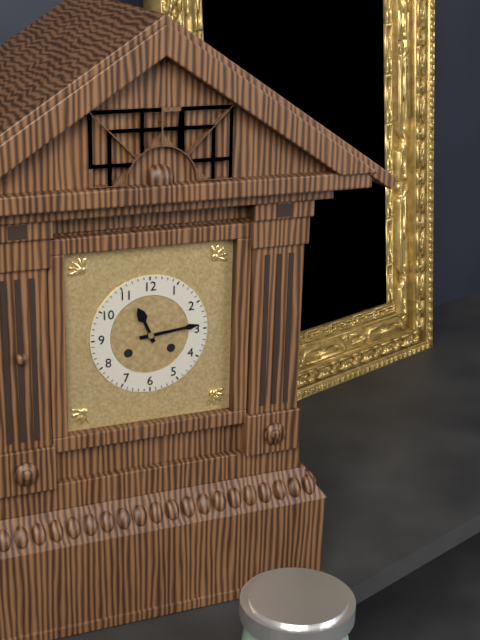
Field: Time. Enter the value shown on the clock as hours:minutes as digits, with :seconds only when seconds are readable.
11:14
